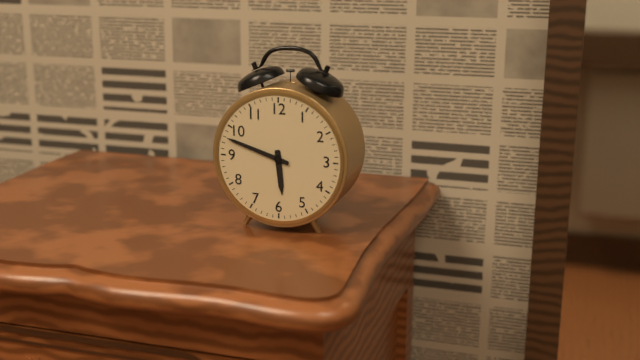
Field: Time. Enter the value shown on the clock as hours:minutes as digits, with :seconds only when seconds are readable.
5:48
